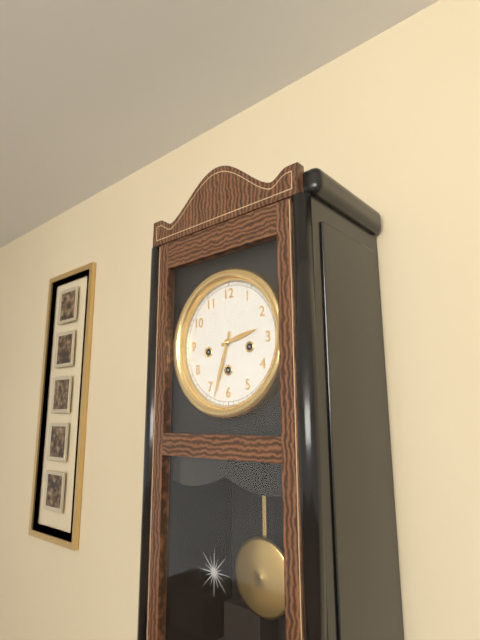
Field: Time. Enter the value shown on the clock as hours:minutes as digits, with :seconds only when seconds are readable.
2:33
